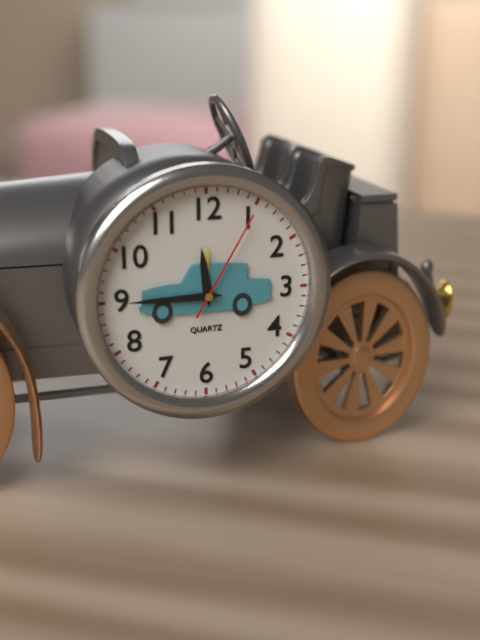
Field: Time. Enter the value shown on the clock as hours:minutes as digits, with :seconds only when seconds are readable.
11:45:05
